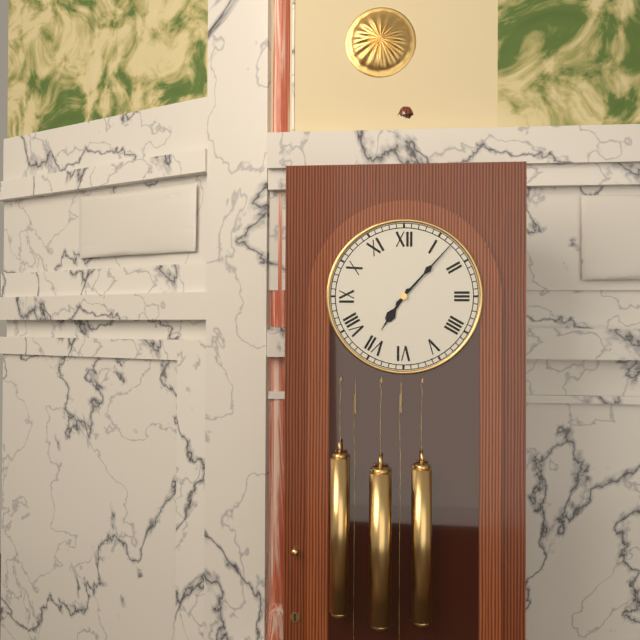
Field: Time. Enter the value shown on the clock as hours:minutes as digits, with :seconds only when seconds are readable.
7:07
